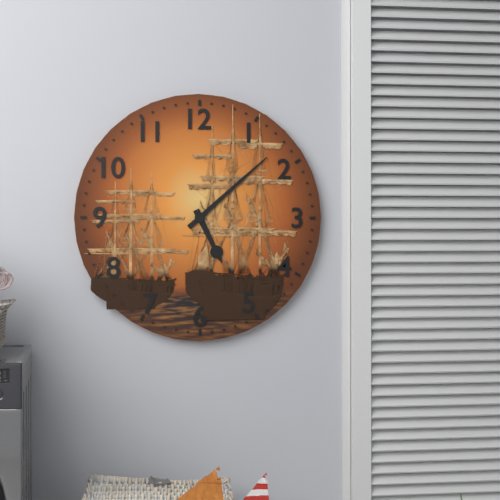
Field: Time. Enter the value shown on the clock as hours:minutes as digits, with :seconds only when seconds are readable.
5:08
